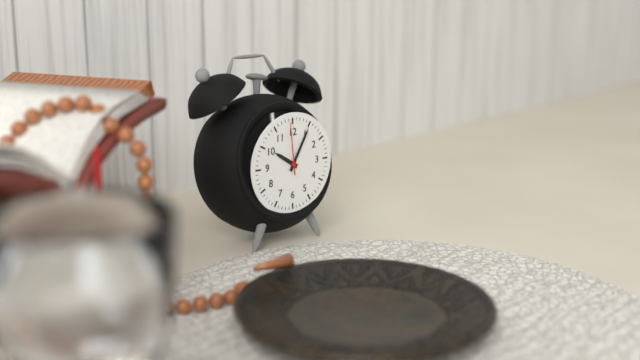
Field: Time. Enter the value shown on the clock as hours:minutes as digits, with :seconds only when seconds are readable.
10:05:59
